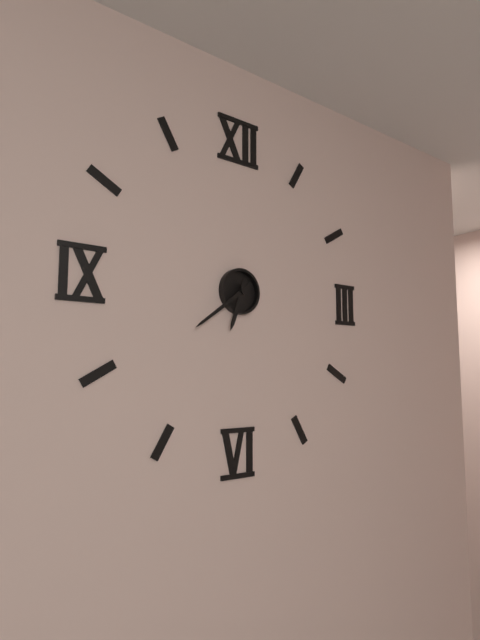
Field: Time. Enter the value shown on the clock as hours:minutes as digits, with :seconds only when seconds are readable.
6:39
